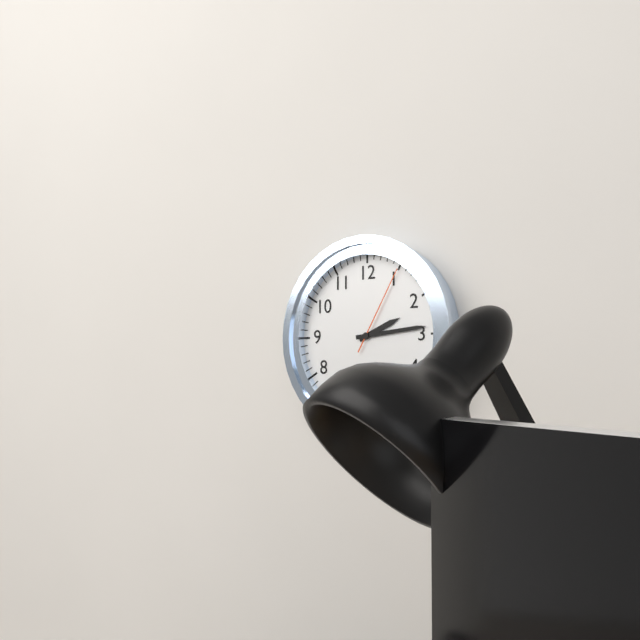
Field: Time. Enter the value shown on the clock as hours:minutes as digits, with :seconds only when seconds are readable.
2:14:05
